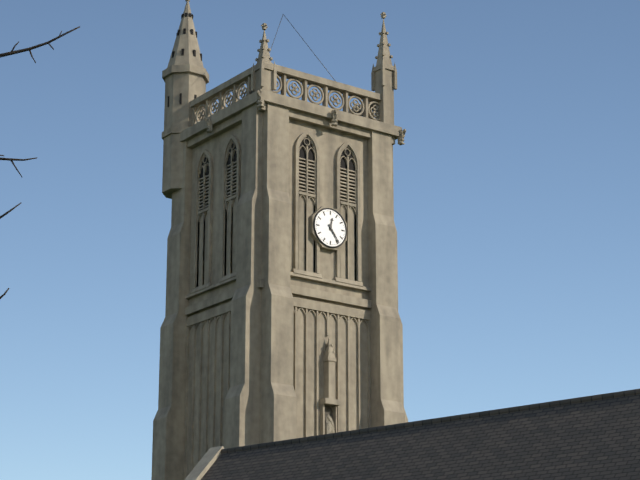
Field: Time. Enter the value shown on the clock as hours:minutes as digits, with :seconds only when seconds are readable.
12:24
